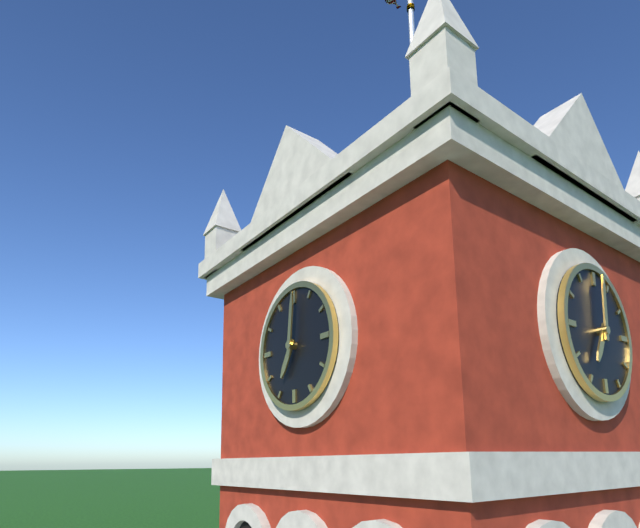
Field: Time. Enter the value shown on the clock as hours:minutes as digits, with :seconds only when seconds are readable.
7:01
